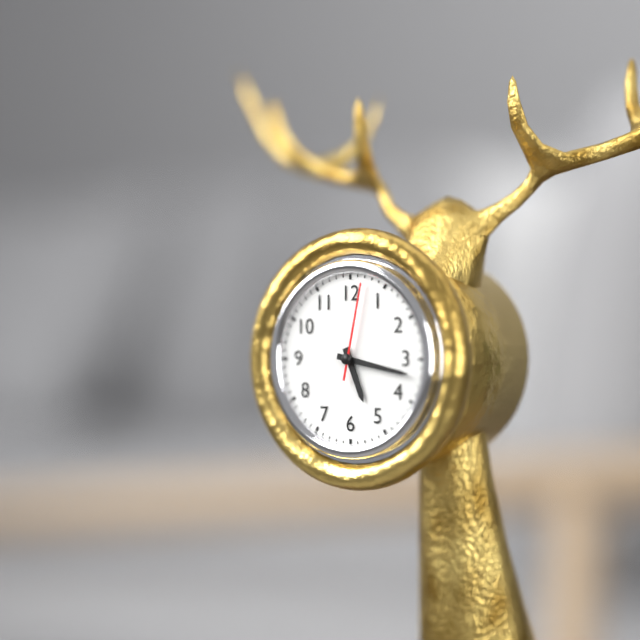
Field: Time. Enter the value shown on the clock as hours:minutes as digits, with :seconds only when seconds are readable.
5:17:02
